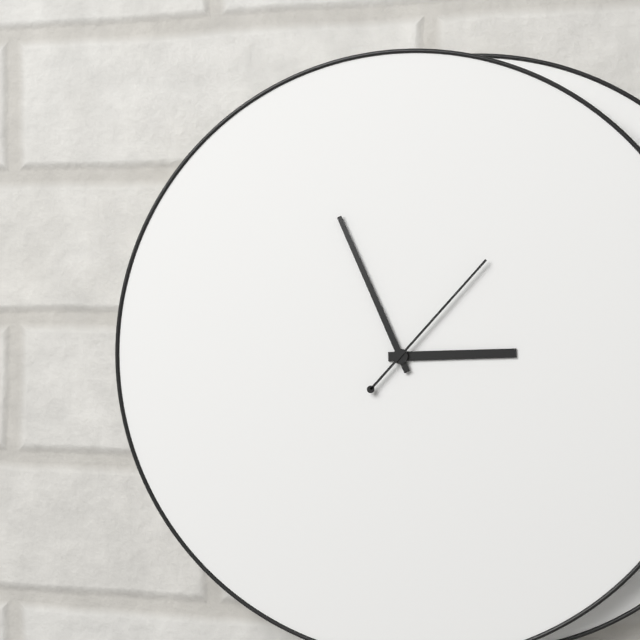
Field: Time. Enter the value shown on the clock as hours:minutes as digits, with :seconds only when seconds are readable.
2:56:07
